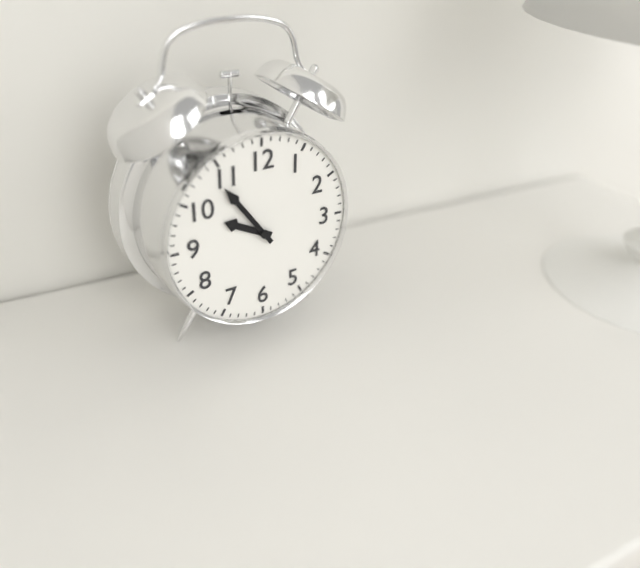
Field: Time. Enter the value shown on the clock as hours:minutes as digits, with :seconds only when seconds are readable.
9:54
